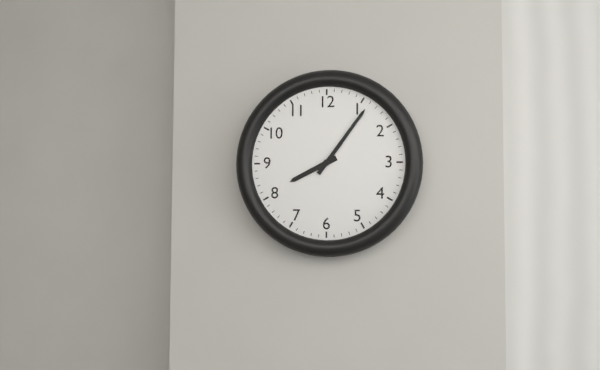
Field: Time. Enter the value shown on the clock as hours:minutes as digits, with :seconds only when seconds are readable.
8:06
